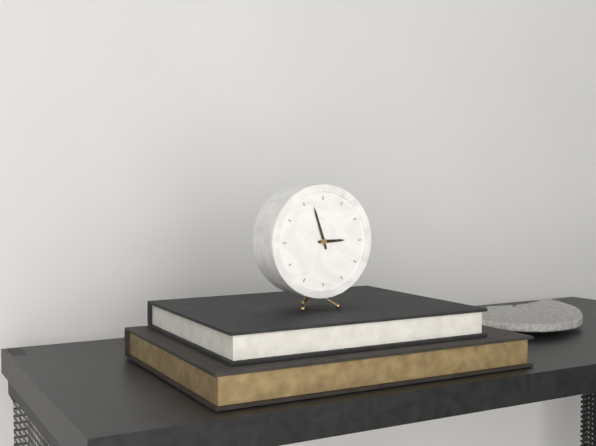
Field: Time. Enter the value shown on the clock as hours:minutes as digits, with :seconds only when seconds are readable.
2:57
